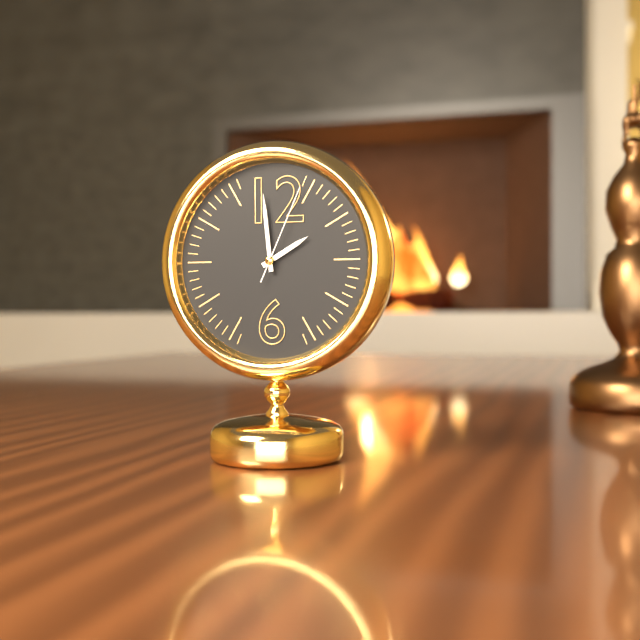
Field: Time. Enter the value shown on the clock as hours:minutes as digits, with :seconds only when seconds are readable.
1:59:04
